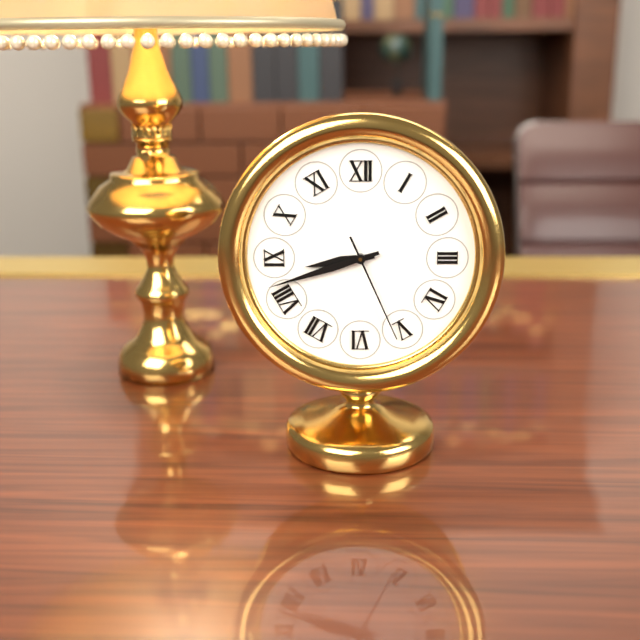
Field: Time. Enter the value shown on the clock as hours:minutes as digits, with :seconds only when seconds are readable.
8:42:26
